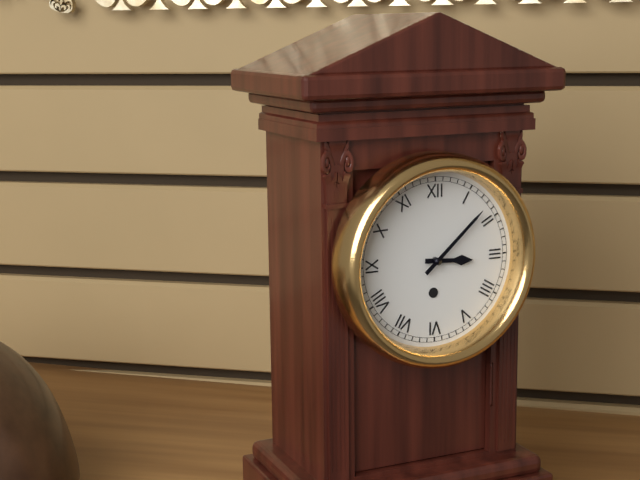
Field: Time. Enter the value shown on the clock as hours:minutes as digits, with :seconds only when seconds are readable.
3:08
